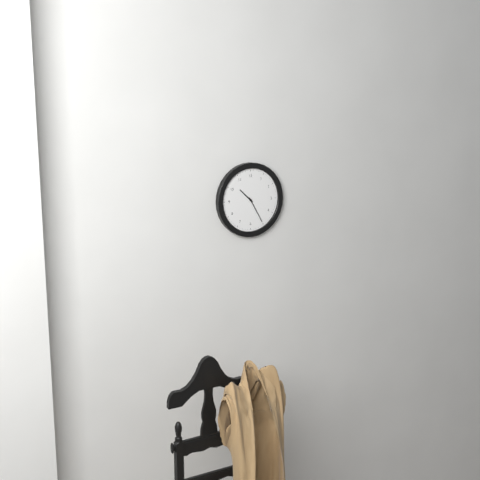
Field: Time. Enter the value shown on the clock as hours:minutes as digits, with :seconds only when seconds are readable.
10:25
